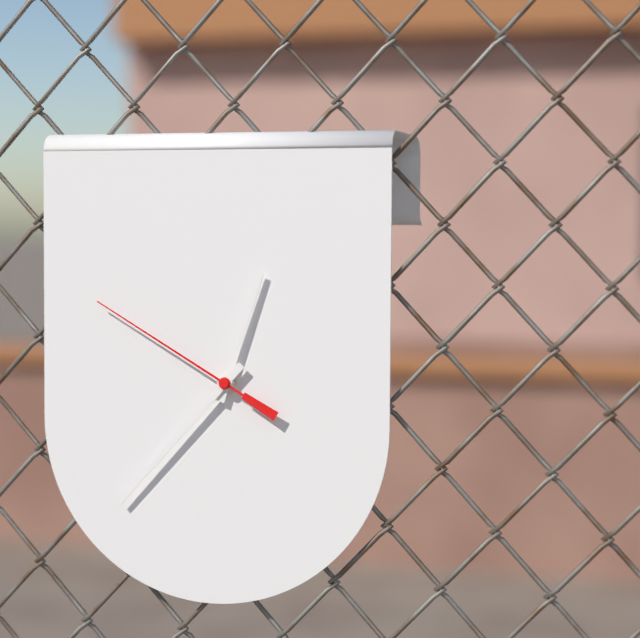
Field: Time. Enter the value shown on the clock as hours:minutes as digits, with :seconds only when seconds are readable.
12:37:50
